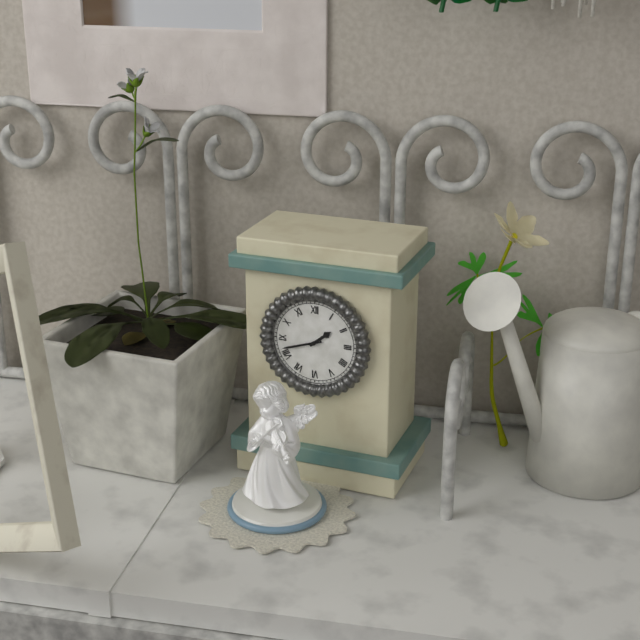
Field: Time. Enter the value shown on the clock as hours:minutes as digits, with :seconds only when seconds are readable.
1:42
